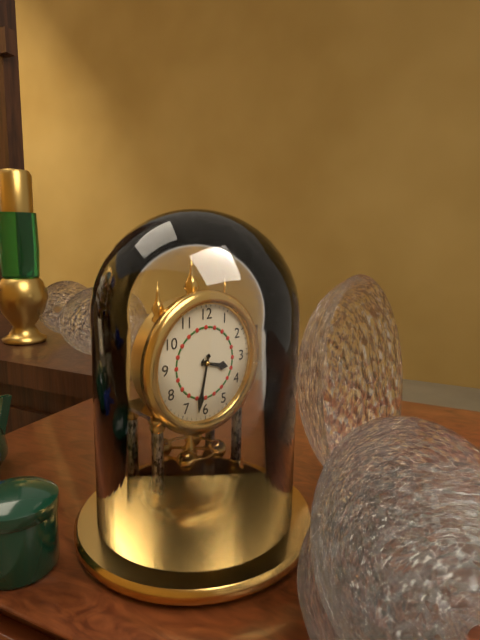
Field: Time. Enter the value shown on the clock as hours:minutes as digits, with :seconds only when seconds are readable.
3:32
